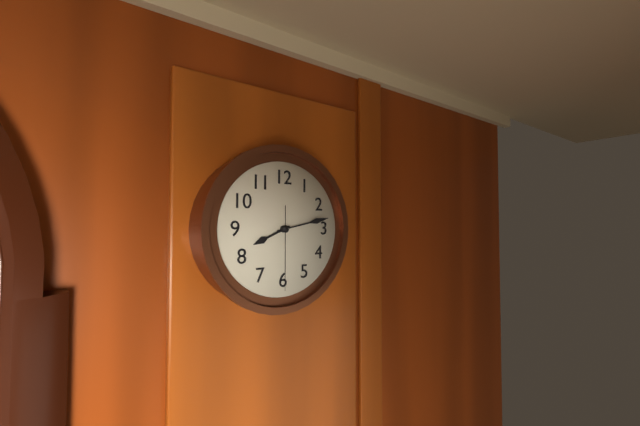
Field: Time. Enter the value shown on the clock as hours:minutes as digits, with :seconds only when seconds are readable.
8:13:30
